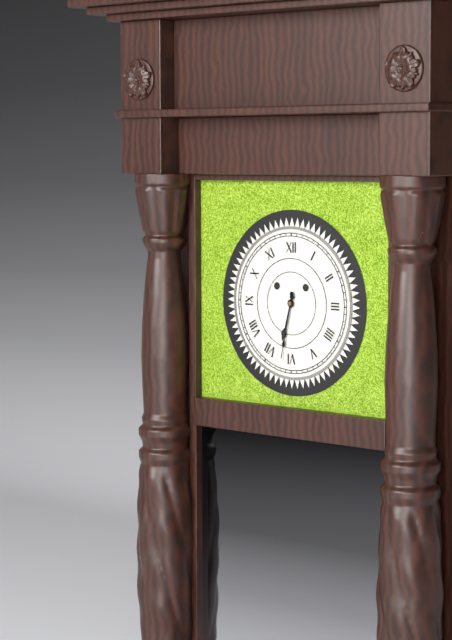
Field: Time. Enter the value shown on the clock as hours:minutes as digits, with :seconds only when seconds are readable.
6:32
